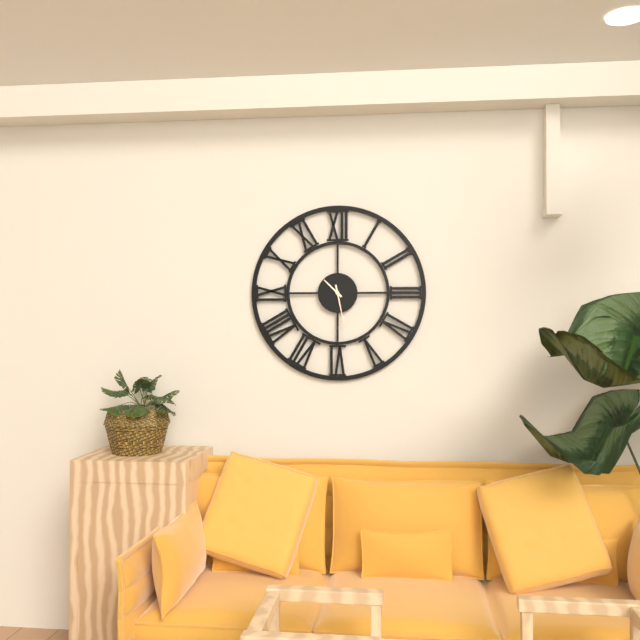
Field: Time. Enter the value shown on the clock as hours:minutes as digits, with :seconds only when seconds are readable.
10:28
